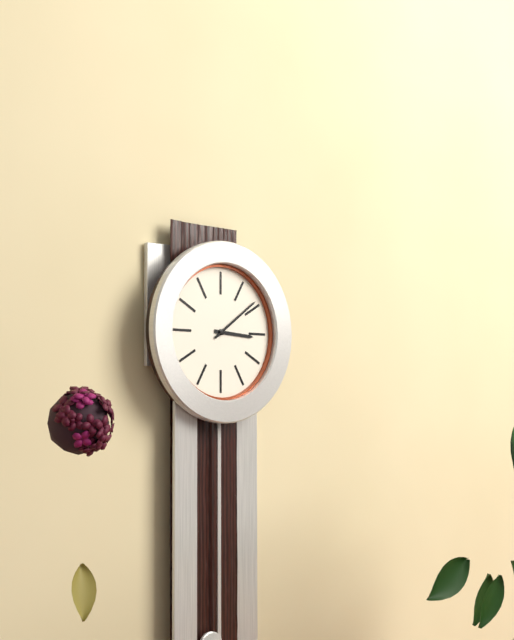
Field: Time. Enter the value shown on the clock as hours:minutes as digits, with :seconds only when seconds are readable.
3:09
